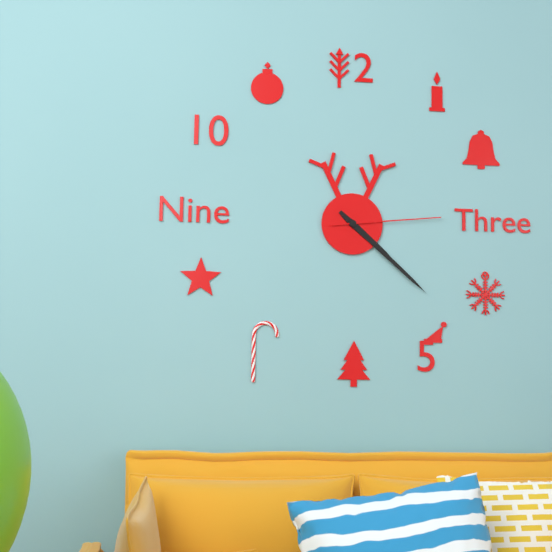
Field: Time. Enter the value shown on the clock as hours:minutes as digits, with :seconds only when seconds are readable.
4:22:14
